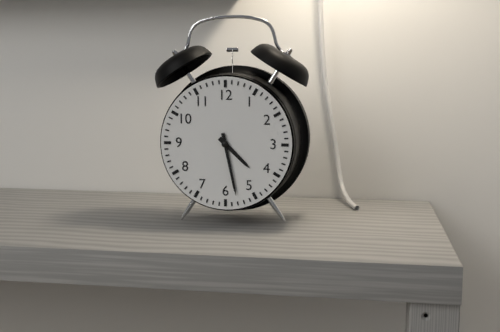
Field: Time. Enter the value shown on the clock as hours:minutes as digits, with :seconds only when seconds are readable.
4:28
